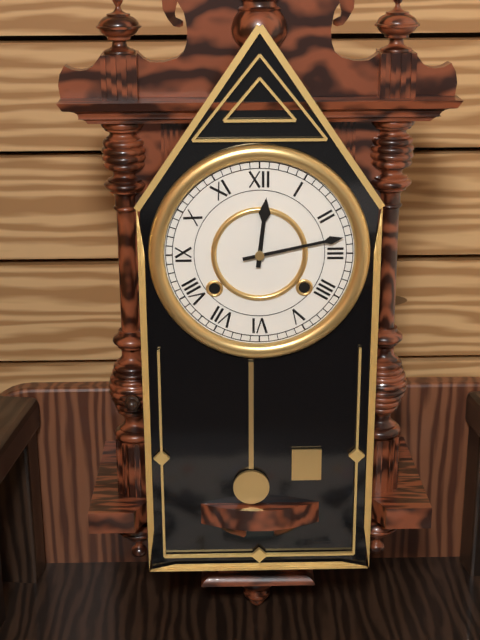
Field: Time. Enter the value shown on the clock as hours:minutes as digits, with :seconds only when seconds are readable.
12:13
